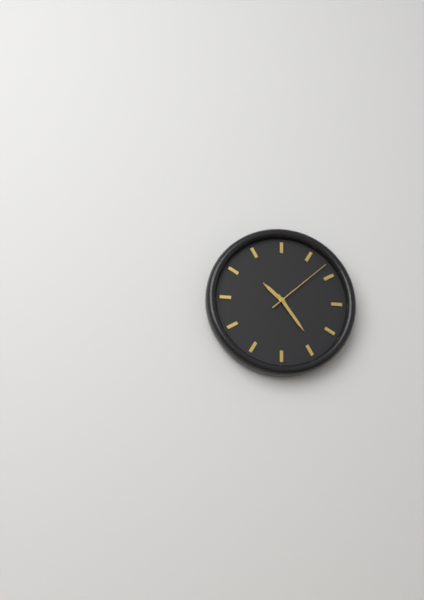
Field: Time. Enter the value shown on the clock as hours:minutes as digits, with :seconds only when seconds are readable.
10:24:08
